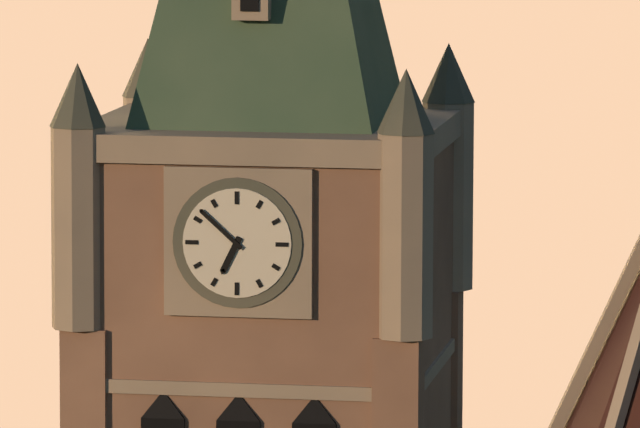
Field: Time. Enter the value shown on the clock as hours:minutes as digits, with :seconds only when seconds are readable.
6:52
